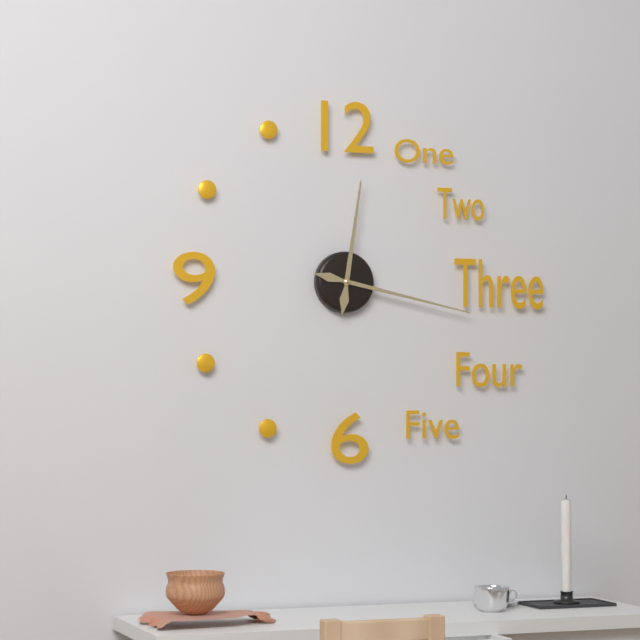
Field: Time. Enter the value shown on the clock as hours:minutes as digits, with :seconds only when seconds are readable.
12:17
